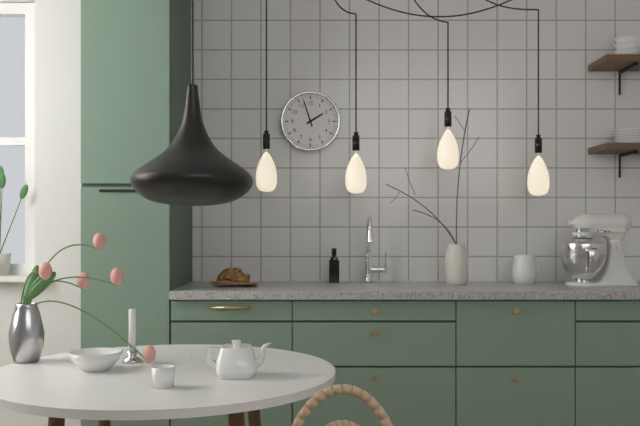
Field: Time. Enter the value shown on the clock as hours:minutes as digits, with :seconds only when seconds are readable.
1:57
